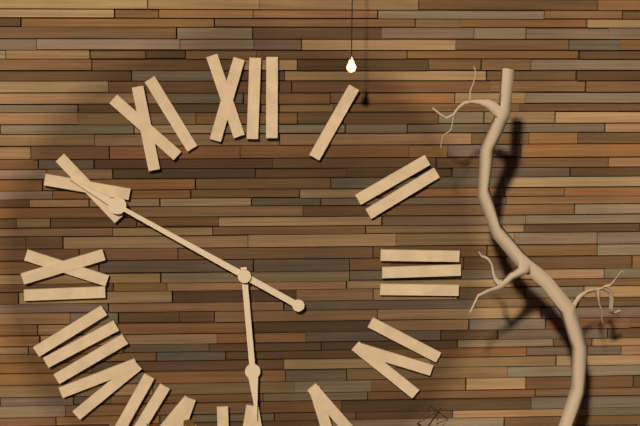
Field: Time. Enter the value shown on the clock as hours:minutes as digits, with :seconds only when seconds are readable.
5:50
